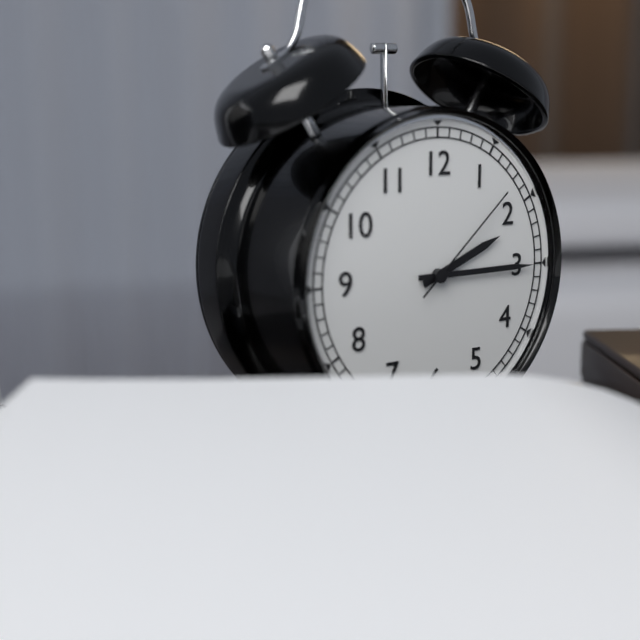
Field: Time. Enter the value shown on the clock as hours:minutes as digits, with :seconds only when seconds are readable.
2:15:08
